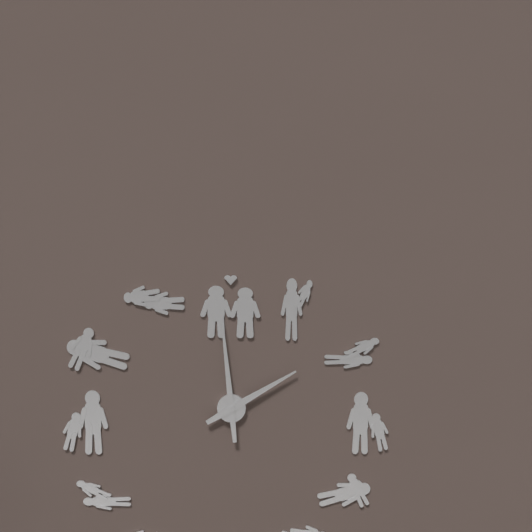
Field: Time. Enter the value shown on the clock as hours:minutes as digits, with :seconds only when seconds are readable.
1:59
